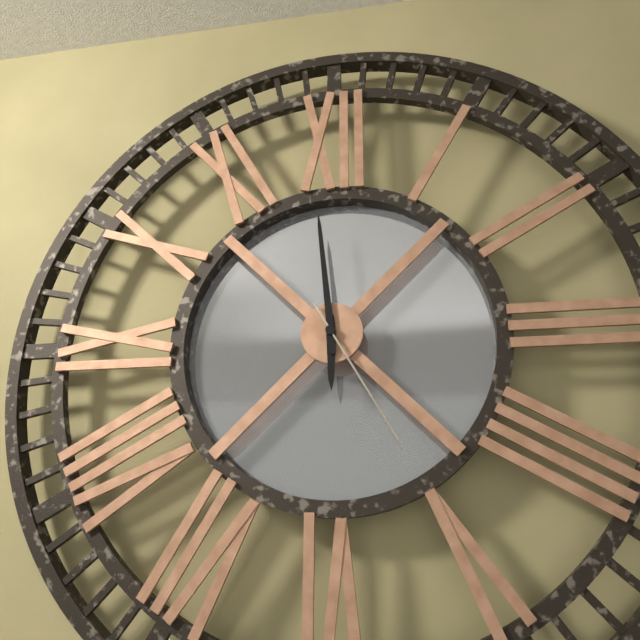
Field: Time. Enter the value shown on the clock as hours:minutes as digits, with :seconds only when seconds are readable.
5:59:25
